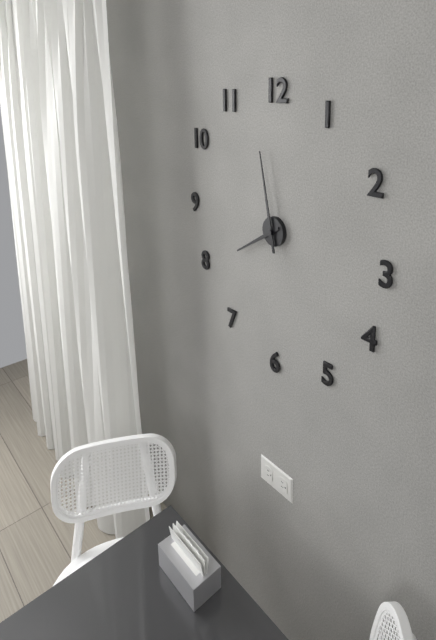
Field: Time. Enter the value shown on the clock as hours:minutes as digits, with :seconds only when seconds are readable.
7:58
